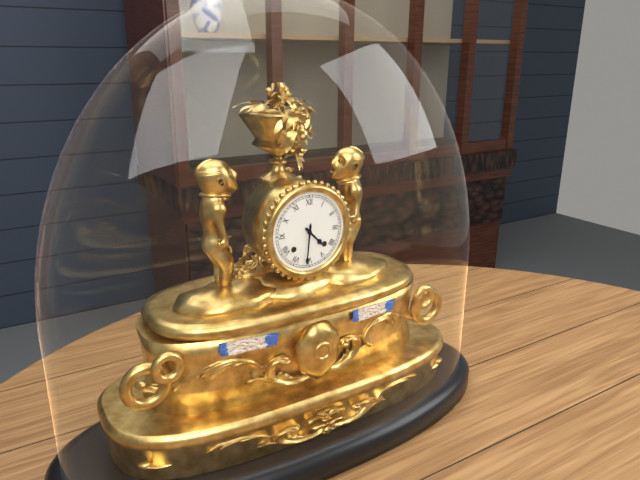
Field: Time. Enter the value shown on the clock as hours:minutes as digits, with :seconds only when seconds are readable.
4:31
